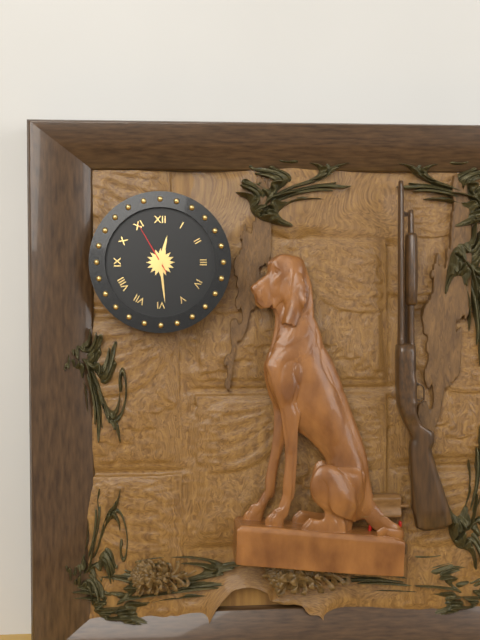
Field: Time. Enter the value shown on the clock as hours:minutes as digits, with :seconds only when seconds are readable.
12:29:55
